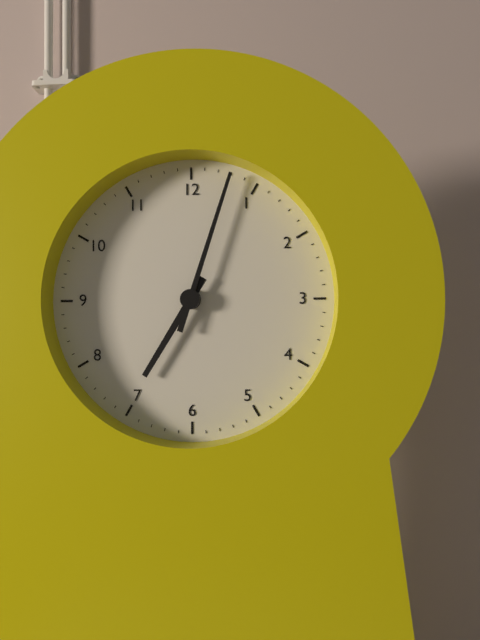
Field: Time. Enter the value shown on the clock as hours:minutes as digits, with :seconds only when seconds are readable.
7:03
